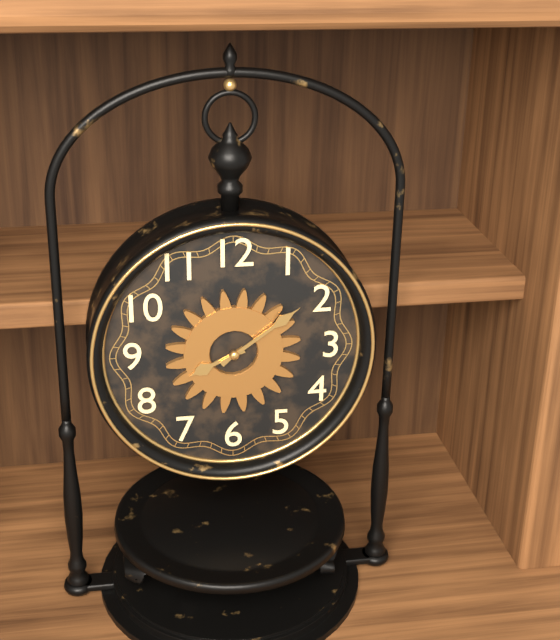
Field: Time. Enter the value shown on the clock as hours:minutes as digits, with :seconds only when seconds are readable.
8:09
